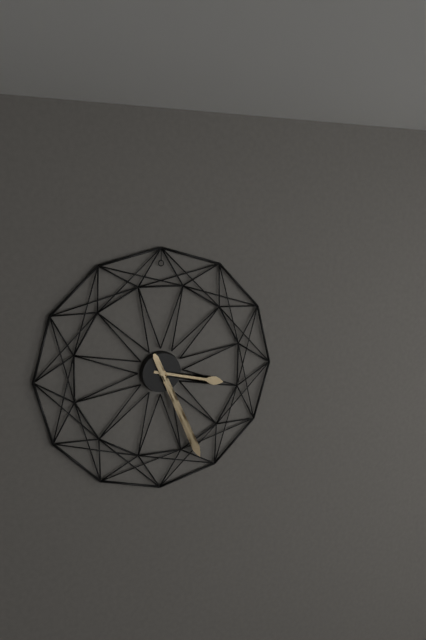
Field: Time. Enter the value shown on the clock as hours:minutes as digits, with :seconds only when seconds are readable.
3:26
